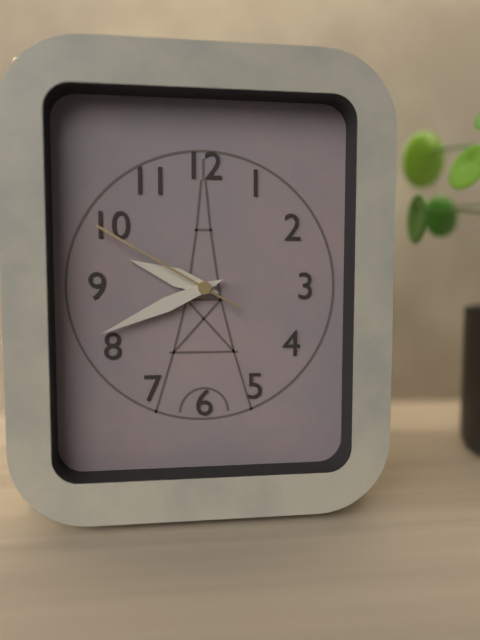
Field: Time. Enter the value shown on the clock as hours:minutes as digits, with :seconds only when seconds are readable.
9:41:50
